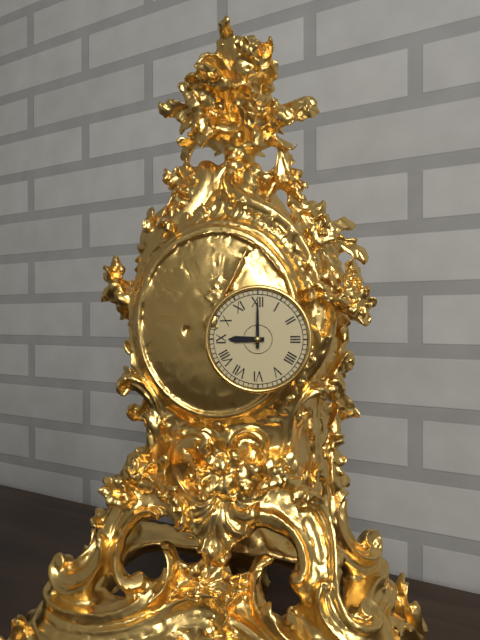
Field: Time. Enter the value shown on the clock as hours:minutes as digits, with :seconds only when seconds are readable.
9:00
